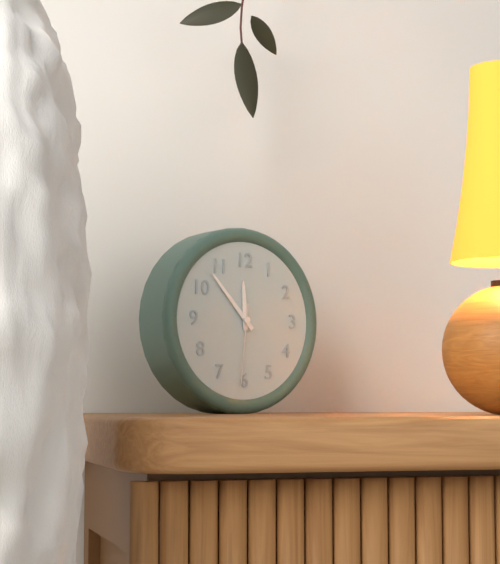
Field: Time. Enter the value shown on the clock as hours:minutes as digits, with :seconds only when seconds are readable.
11:53:31
